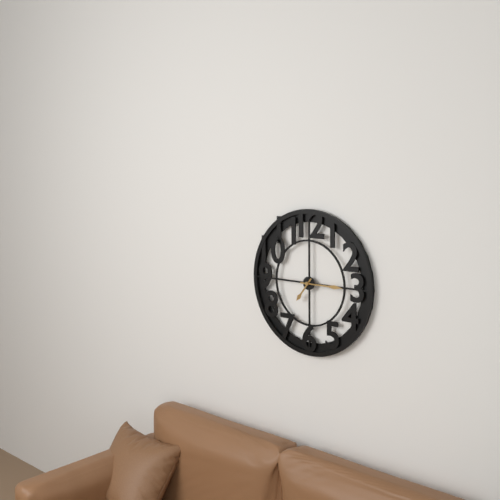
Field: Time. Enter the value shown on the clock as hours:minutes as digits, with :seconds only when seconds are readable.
7:15
